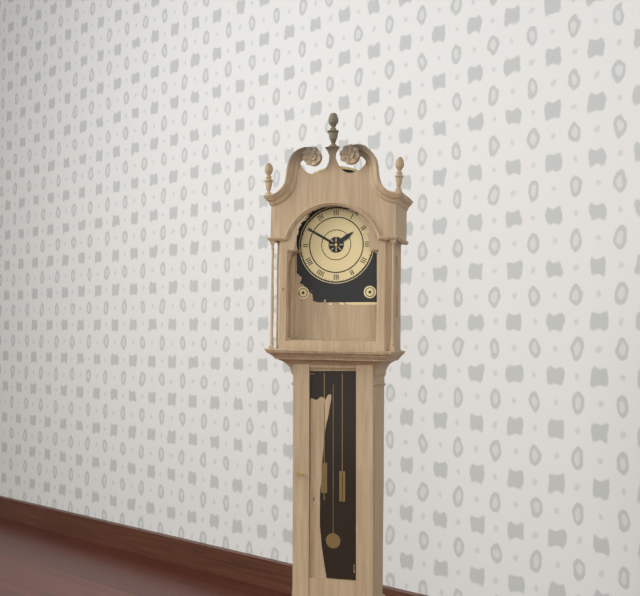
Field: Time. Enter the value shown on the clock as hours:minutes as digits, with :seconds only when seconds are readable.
1:50
